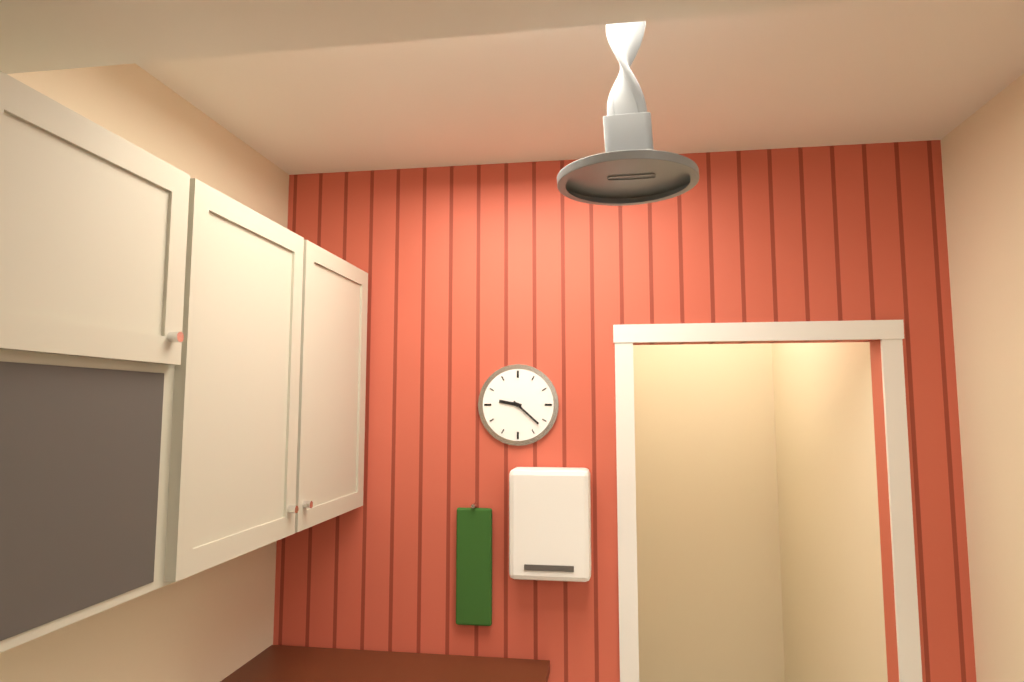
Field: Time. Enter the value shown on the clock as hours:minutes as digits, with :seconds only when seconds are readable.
9:22
